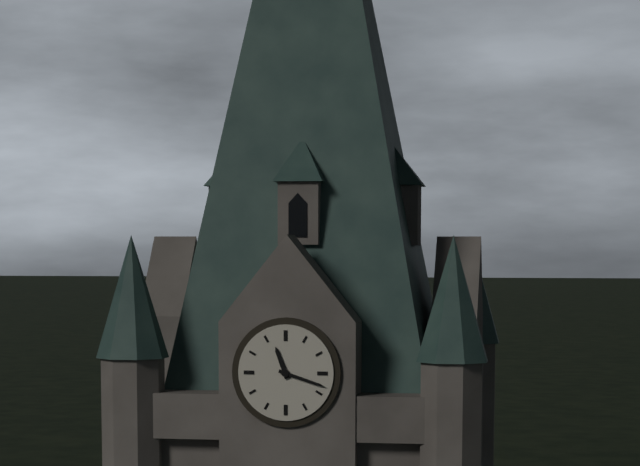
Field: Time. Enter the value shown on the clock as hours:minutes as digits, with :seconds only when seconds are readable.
11:18
